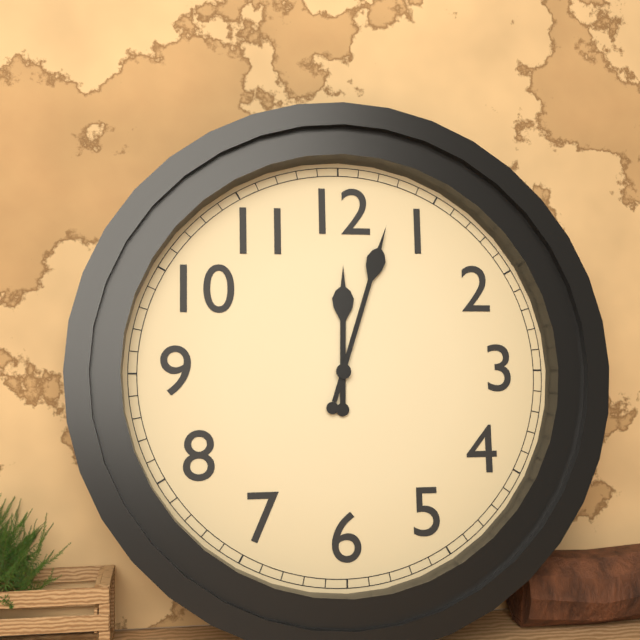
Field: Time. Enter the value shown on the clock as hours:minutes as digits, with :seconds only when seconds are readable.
12:03
